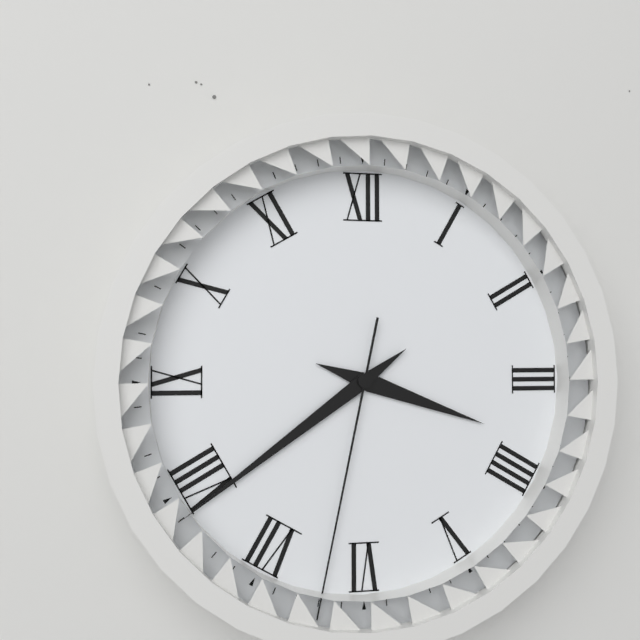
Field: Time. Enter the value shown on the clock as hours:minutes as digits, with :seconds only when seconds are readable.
3:39:32
